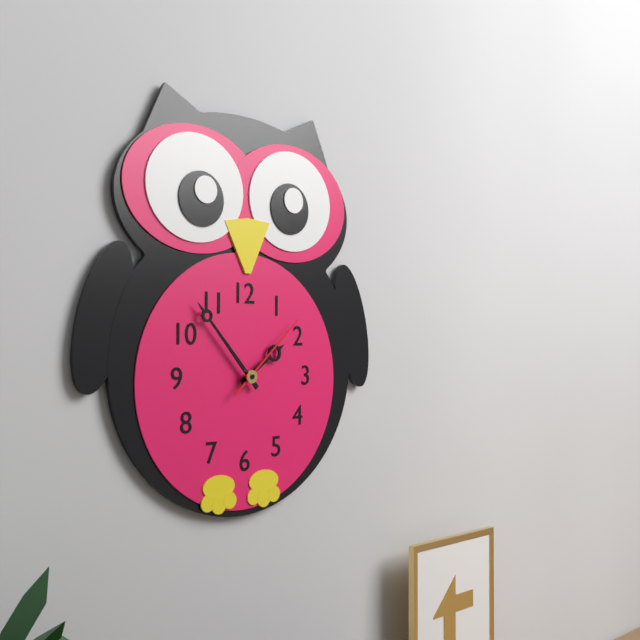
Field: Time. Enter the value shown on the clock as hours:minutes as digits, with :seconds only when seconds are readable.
1:53:08
